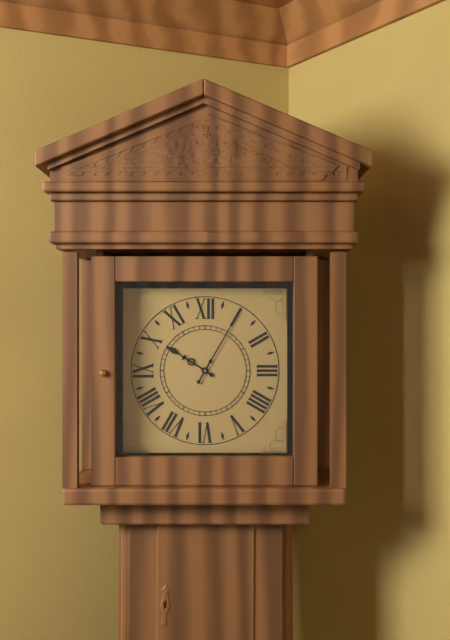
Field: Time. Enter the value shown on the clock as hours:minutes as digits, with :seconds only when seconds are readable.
10:05
